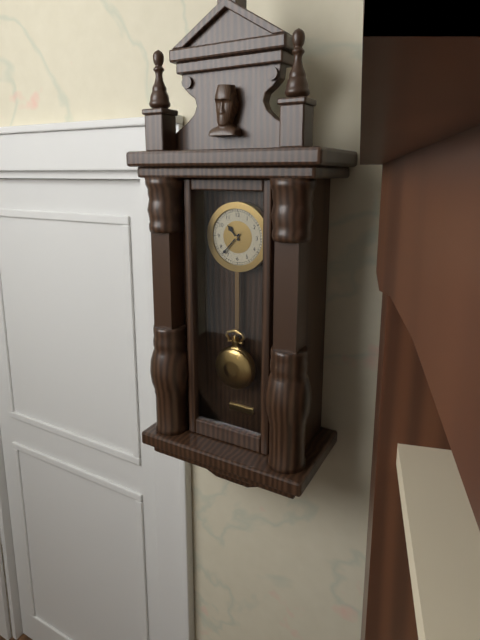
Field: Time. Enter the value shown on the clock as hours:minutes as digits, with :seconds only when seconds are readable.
10:37
